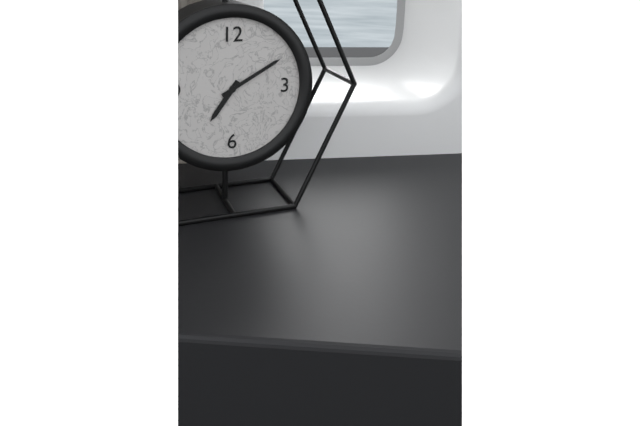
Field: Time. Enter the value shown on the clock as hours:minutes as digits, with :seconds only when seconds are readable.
7:10
